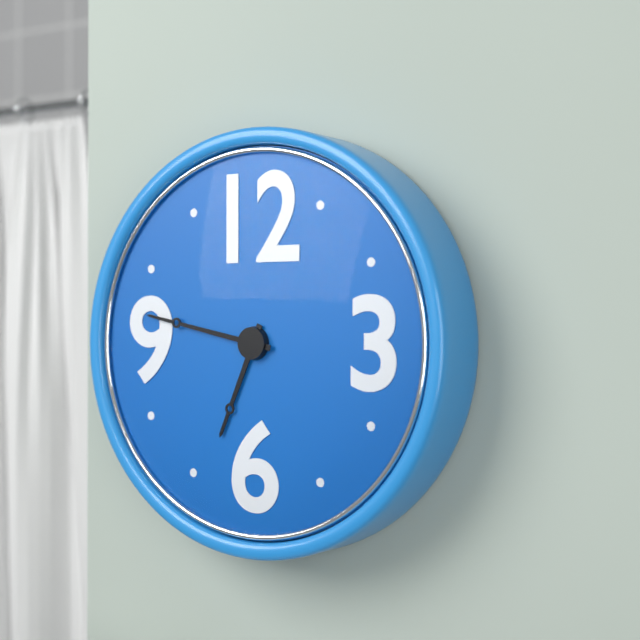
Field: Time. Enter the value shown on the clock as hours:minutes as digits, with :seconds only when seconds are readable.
6:47
